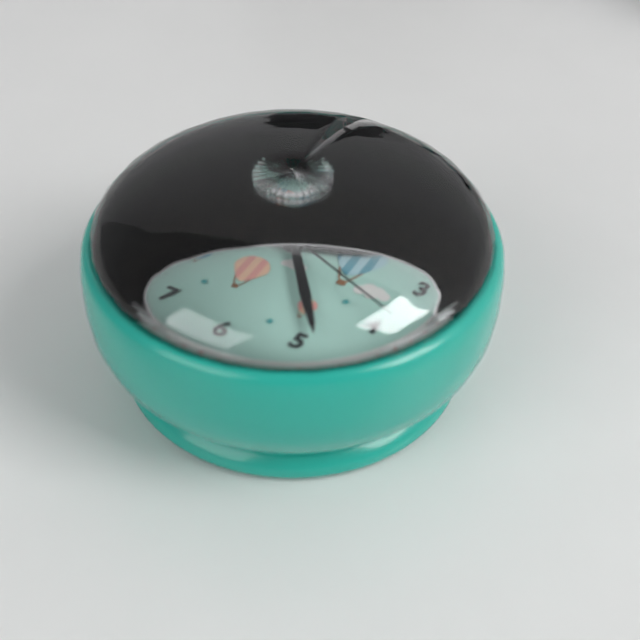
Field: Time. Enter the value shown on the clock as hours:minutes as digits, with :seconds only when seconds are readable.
2:24:19
